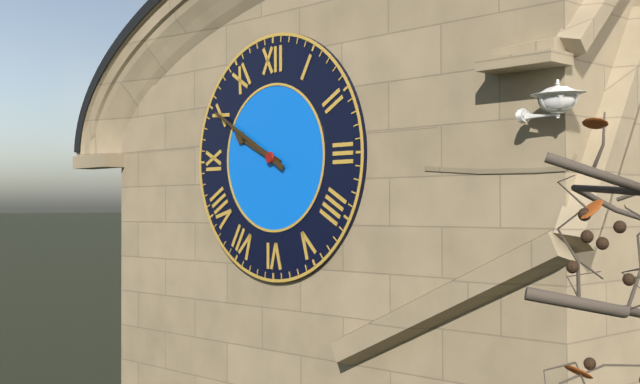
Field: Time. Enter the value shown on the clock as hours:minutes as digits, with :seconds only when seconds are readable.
9:50
